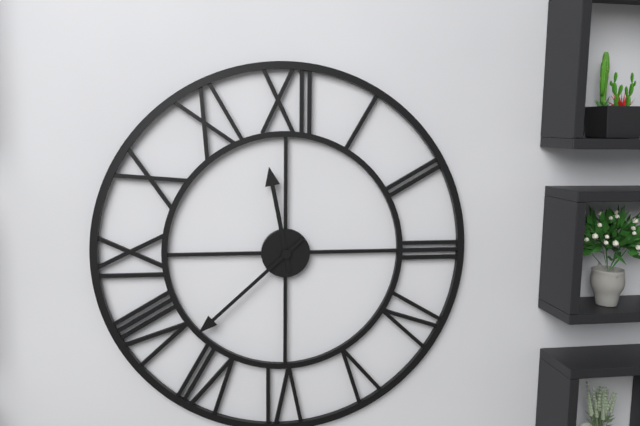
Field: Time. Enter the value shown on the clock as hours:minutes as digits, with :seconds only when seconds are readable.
11:38
